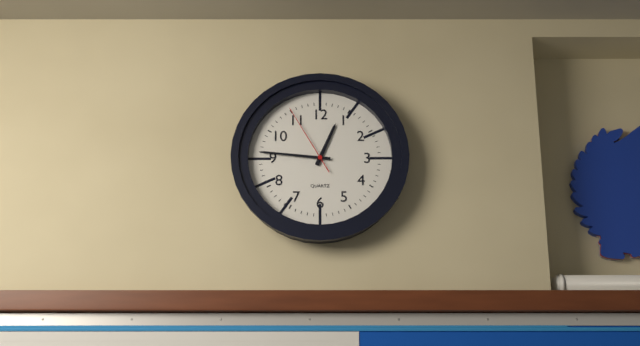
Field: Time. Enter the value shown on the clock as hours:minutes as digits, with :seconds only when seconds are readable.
12:46:55
